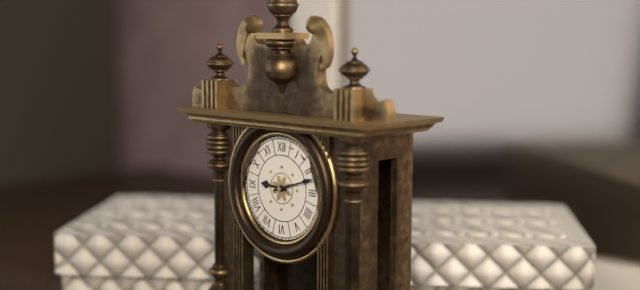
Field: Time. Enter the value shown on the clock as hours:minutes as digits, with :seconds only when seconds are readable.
9:12
